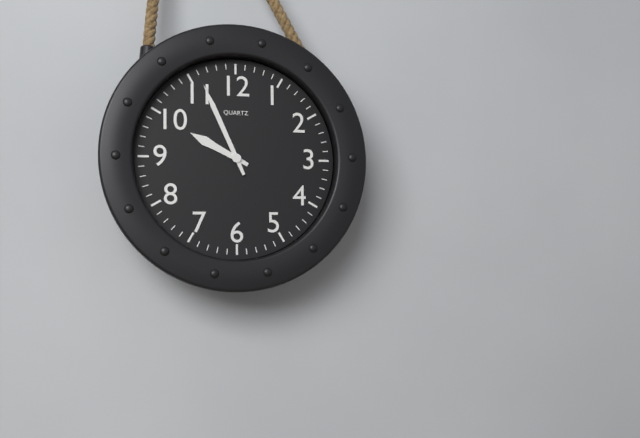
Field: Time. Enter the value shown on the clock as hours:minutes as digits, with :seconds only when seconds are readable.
9:56
